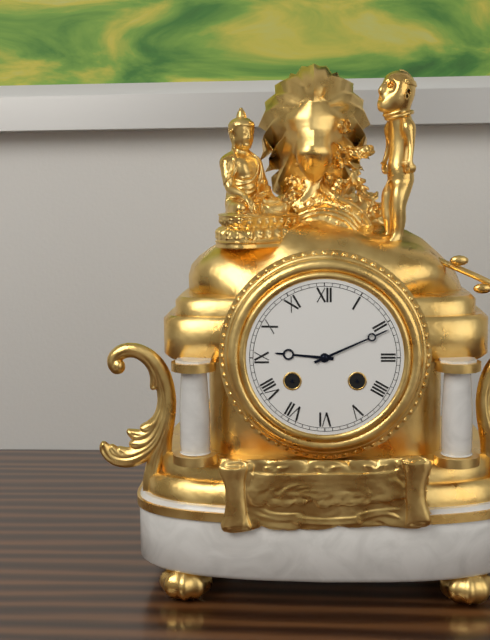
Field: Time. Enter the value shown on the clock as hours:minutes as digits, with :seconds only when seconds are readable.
9:11
